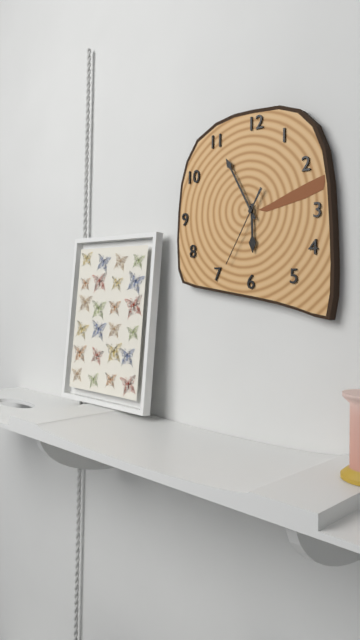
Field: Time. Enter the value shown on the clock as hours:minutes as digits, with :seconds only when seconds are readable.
5:55:35
